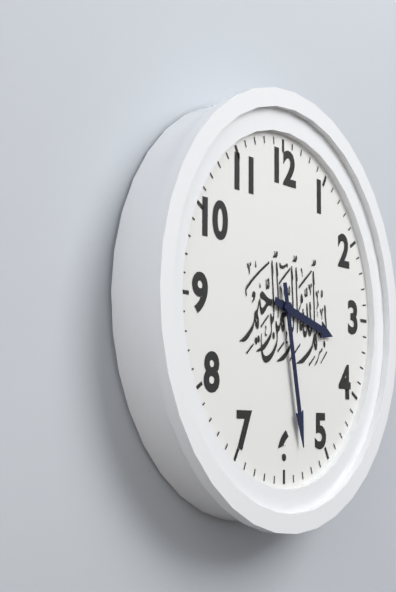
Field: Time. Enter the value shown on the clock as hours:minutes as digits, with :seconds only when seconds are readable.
3:28
